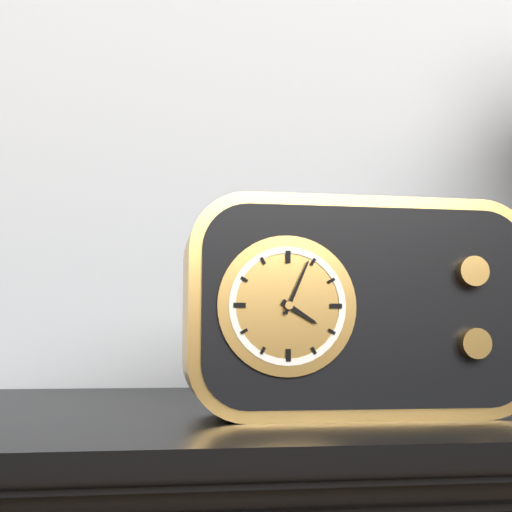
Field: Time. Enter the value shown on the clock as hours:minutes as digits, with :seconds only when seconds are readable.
4:04
